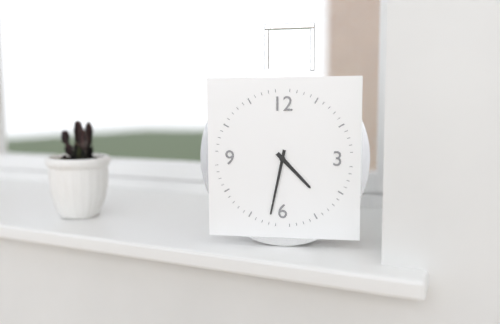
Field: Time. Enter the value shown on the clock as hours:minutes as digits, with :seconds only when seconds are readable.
4:32
